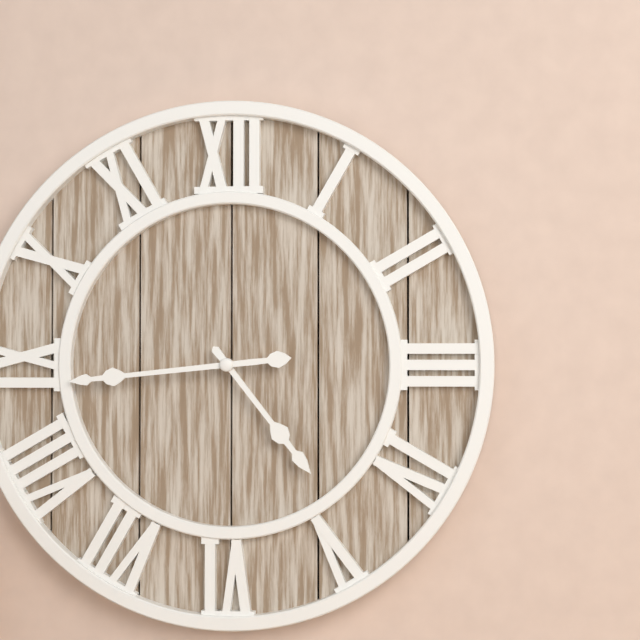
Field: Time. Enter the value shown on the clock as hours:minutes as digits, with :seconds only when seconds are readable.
4:44
